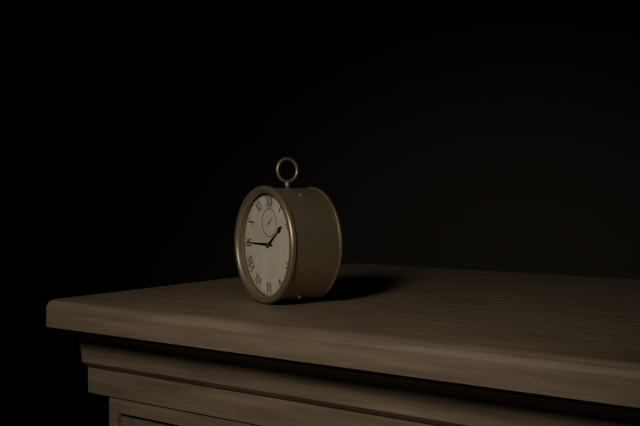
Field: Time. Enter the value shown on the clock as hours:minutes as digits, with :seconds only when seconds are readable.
1:45
